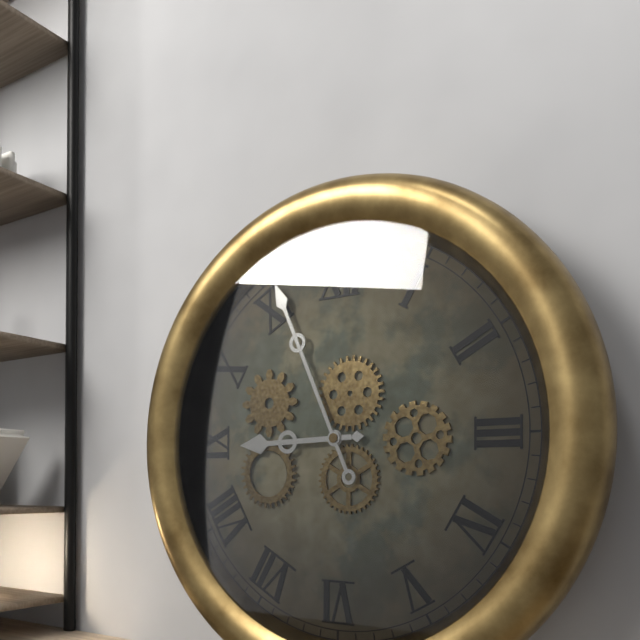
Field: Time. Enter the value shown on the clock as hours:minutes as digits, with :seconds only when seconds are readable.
8:56
